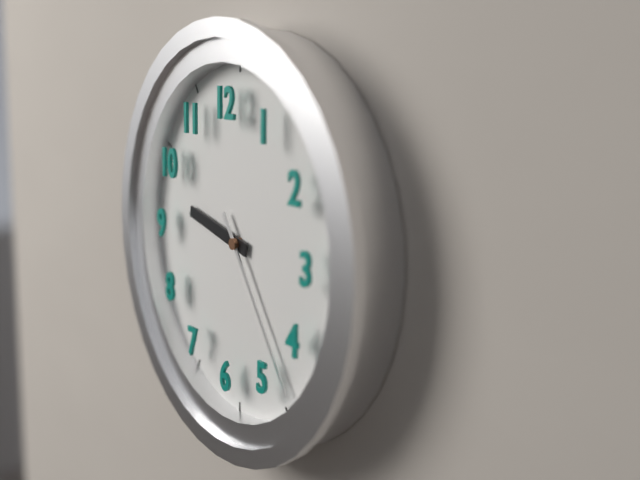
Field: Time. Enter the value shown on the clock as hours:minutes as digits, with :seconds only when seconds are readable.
9:24
